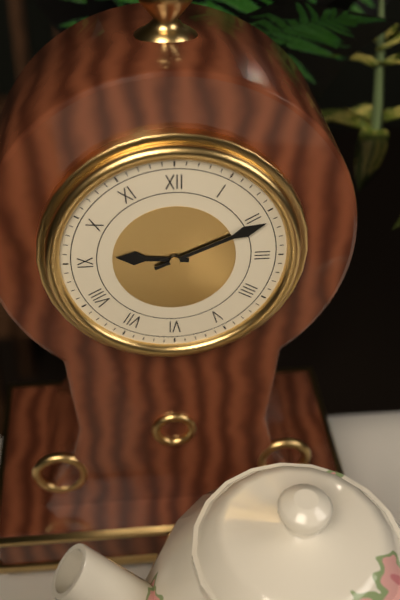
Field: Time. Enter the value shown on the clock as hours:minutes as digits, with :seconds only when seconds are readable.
9:11
